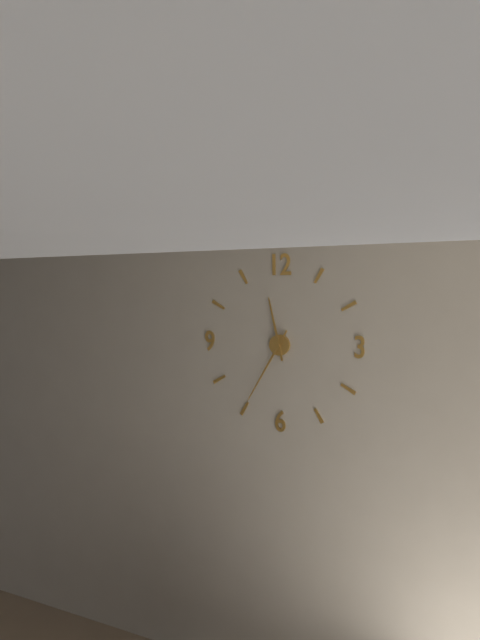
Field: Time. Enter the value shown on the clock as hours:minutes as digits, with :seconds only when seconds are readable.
11:35
